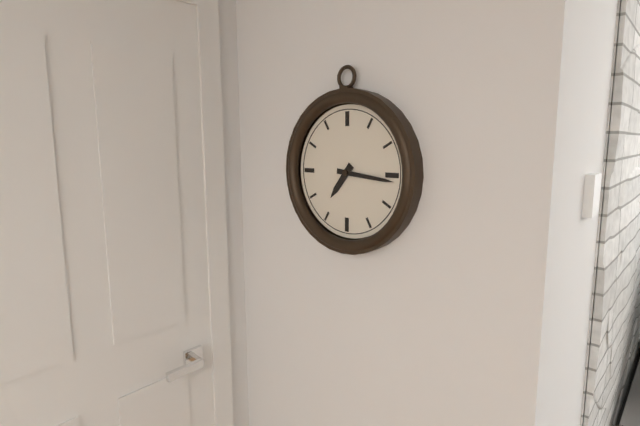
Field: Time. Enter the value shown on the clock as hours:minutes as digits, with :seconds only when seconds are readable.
7:16
